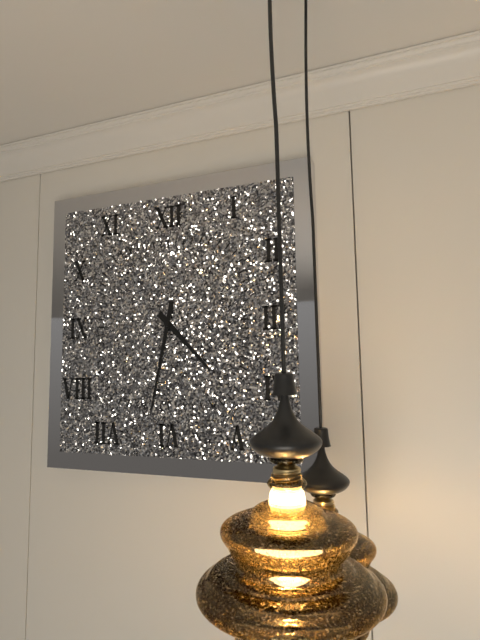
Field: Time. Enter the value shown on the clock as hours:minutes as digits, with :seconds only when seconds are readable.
4:32
